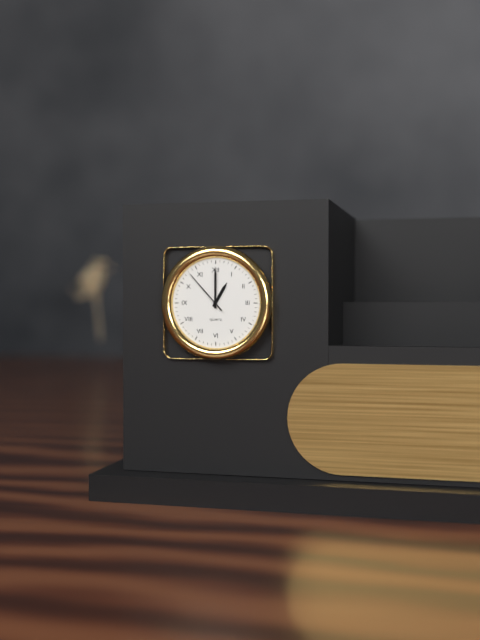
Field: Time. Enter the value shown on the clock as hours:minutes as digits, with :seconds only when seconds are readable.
1:00
